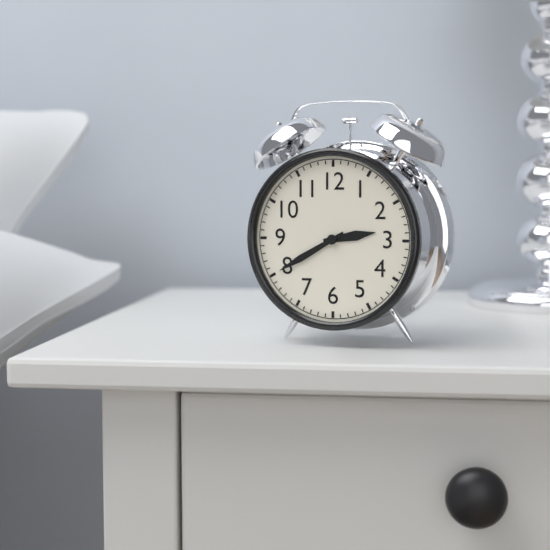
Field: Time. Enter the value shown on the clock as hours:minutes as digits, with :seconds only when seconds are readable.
2:40
